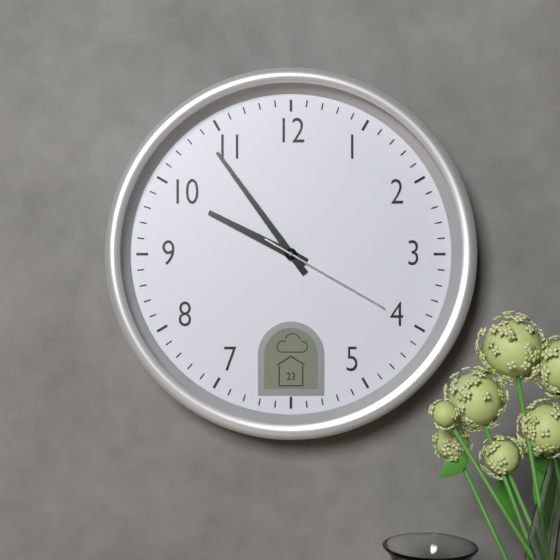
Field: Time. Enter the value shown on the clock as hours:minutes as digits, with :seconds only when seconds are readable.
9:54:20
